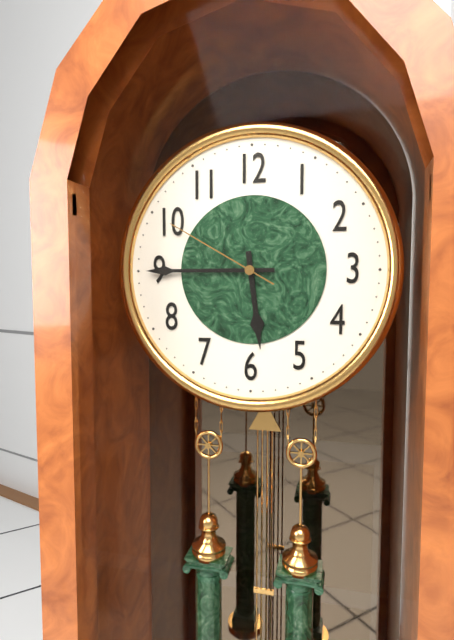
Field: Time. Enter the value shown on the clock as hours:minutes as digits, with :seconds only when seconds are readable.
5:45:50
